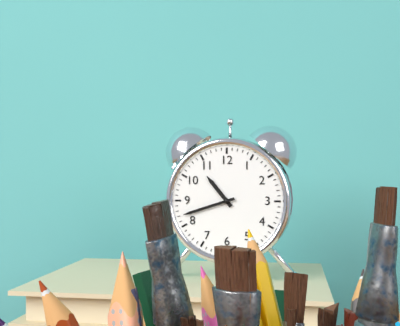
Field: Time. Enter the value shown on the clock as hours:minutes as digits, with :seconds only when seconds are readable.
10:42
